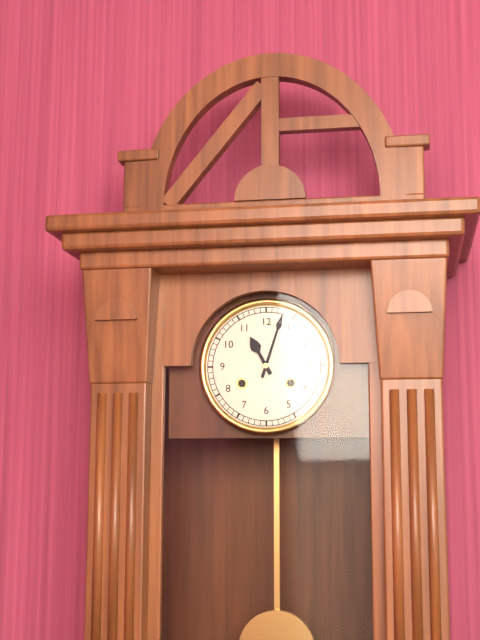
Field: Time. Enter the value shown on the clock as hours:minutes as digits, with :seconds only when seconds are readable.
11:03
